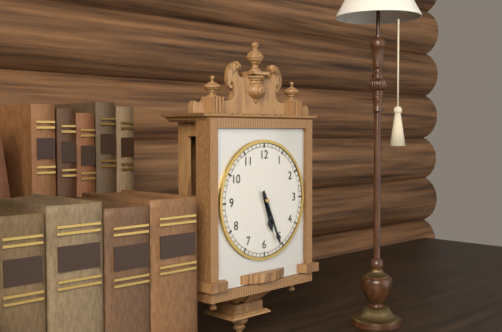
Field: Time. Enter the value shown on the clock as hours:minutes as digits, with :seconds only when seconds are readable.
5:26
